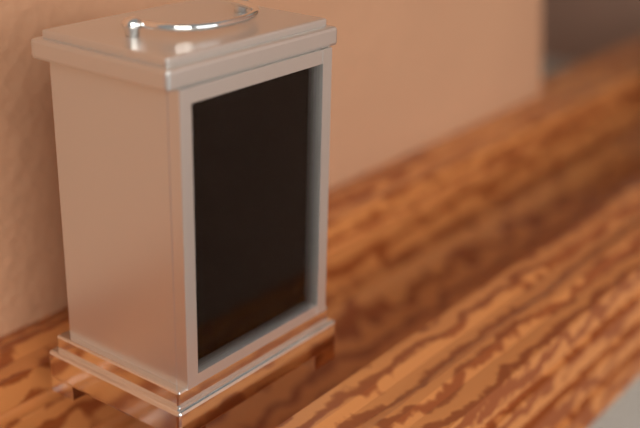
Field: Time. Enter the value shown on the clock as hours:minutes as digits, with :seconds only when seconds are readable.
7:27
